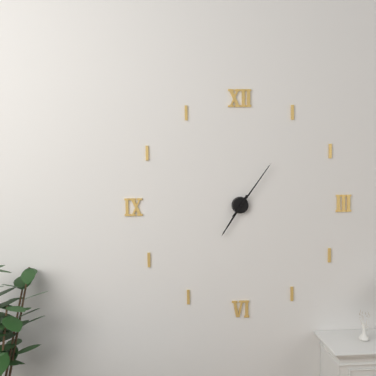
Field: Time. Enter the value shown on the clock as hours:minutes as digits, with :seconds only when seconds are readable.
7:06
